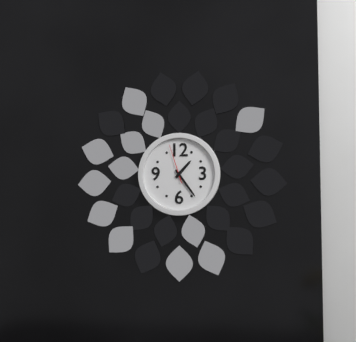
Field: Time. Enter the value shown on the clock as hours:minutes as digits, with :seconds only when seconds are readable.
1:24
